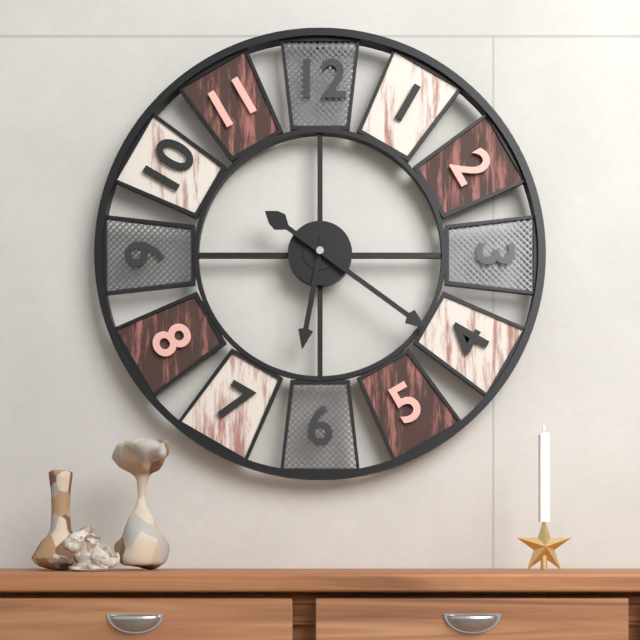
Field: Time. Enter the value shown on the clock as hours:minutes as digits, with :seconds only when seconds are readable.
6:21
